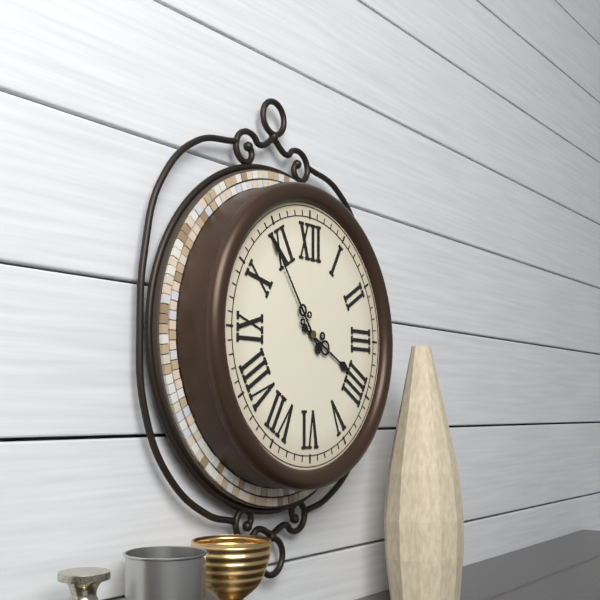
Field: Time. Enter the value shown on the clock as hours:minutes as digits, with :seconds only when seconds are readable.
3:54
